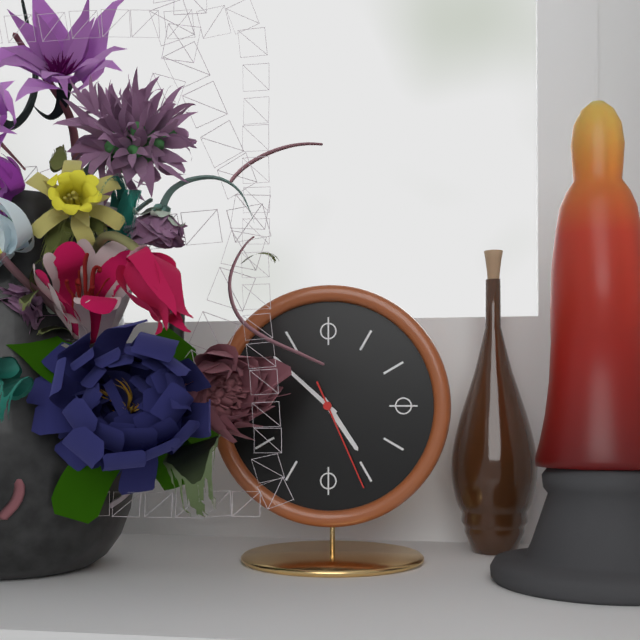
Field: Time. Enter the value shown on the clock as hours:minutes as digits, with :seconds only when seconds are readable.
4:52:26
